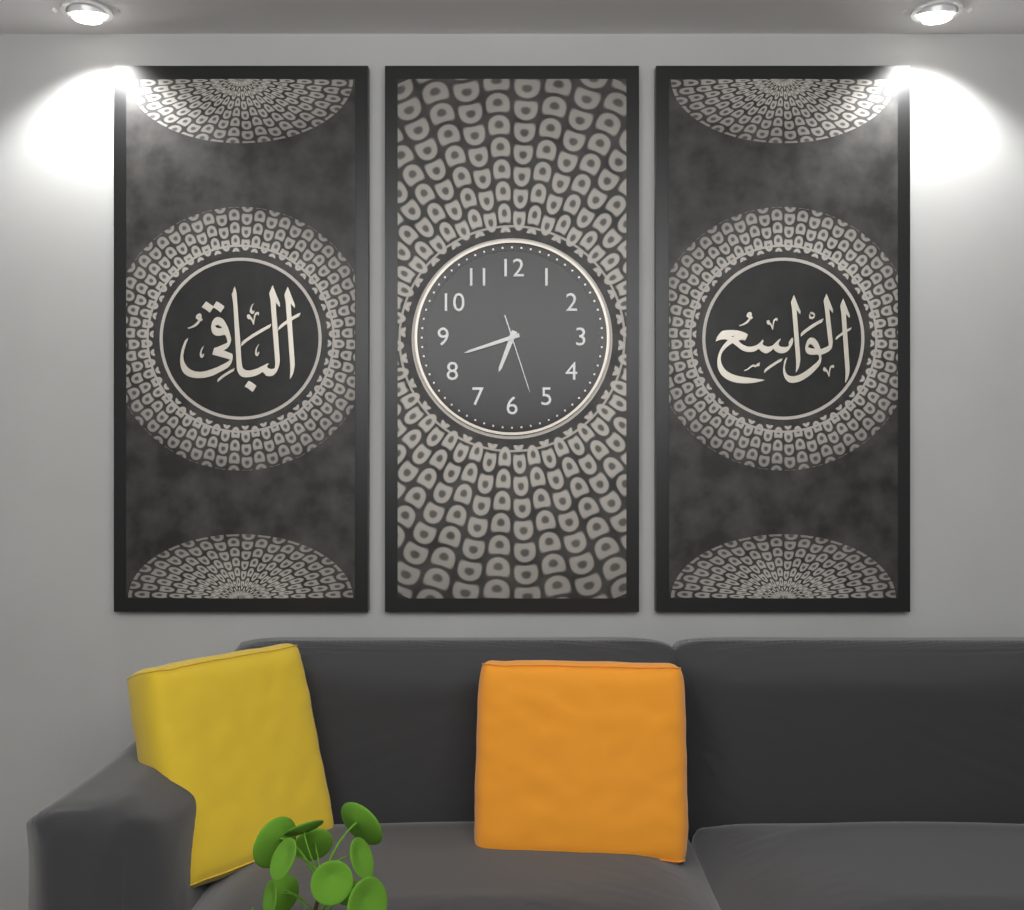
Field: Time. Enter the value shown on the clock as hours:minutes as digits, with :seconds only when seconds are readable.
6:42:27
